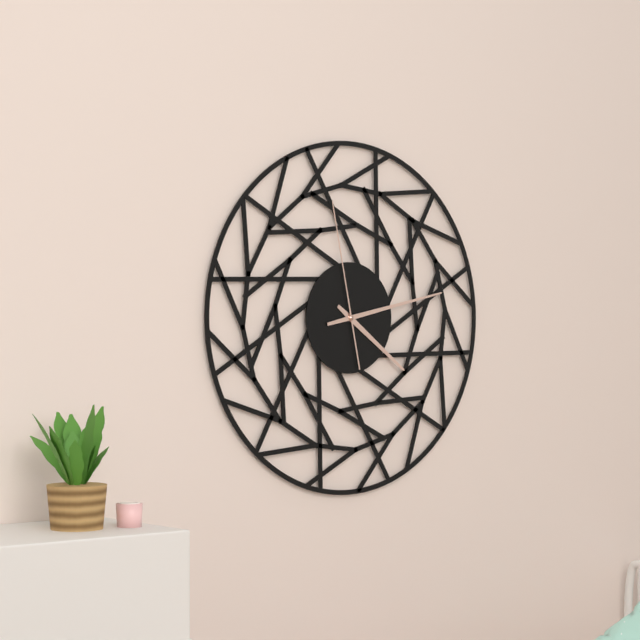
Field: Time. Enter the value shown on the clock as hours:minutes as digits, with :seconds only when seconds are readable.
4:13:58
